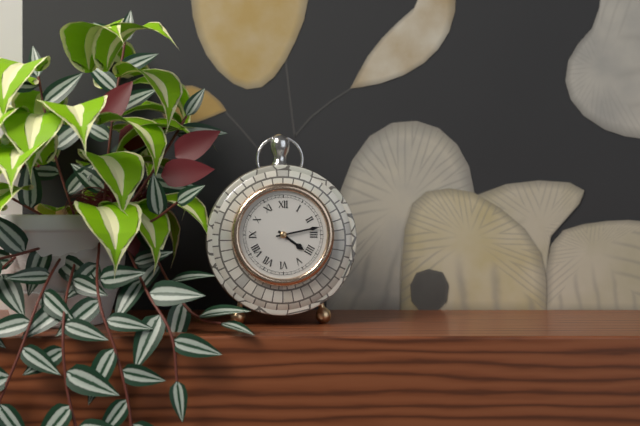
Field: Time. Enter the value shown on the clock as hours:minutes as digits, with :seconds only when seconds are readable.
4:13
